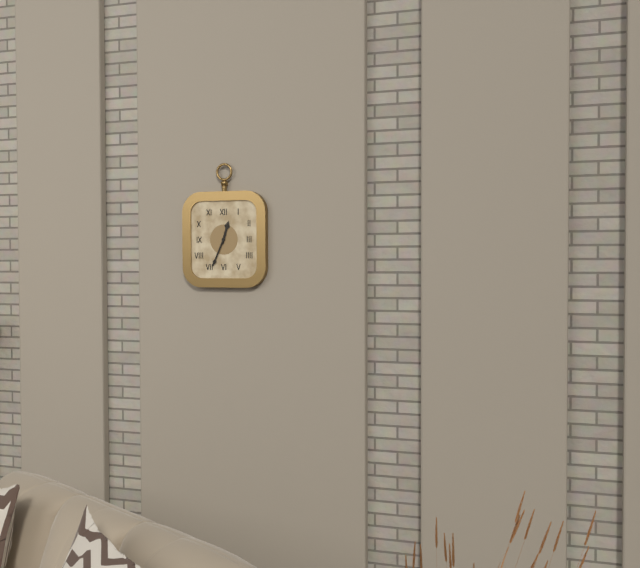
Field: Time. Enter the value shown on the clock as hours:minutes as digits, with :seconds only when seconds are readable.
12:34
